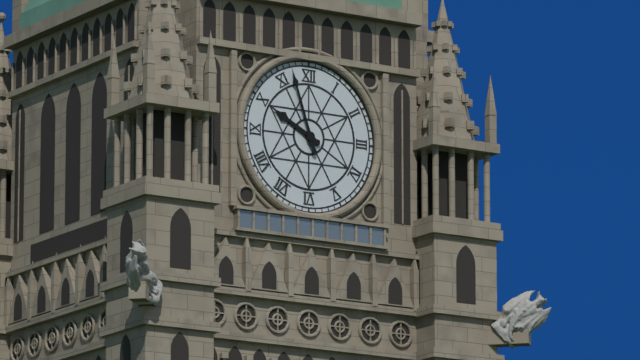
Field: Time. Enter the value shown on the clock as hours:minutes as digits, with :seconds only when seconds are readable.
9:57
